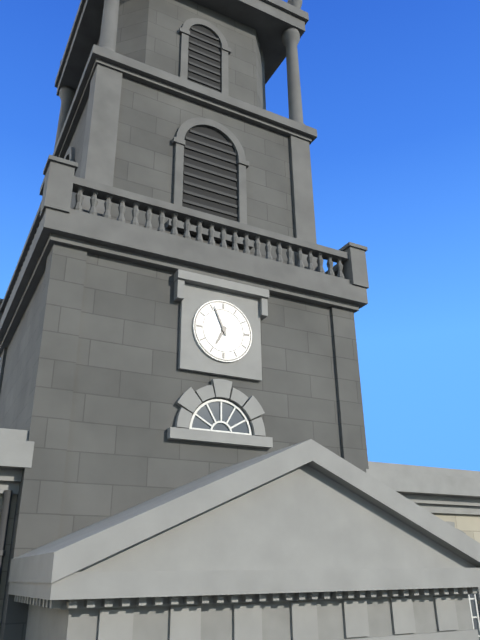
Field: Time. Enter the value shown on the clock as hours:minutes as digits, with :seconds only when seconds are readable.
6:56
